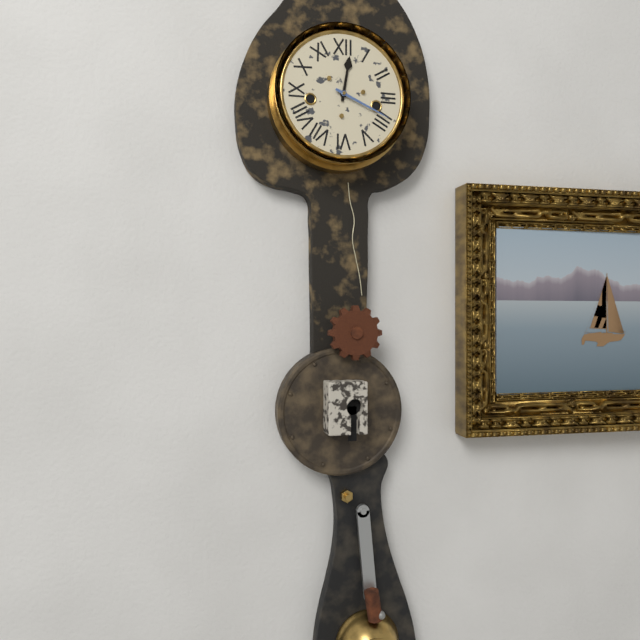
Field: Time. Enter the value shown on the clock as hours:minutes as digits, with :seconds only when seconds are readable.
12:19
